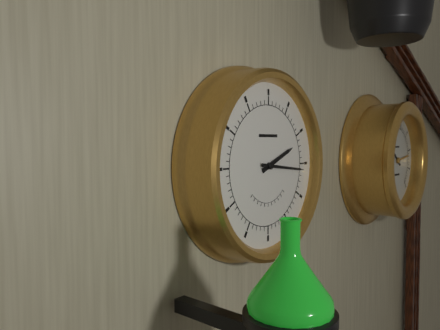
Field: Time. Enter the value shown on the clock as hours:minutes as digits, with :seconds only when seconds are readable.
2:16
